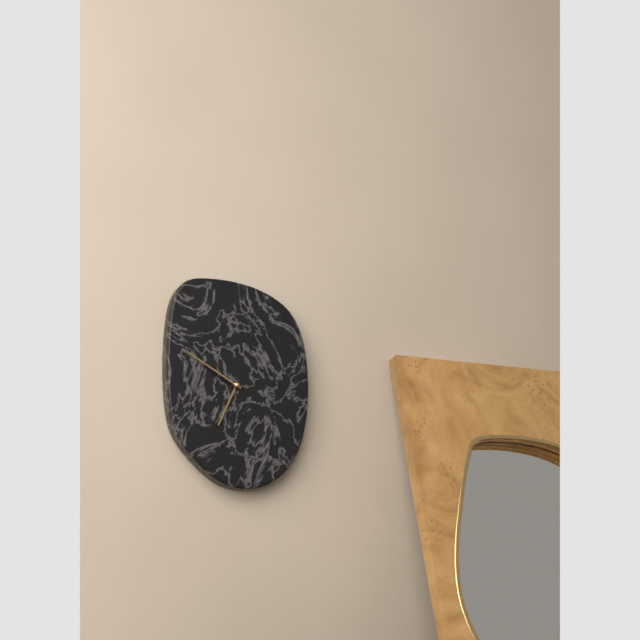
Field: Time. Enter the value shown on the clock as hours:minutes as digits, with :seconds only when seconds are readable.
6:50
